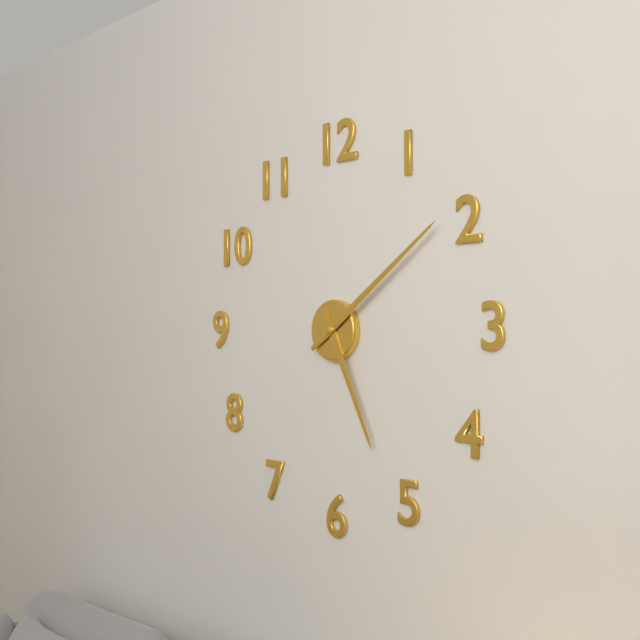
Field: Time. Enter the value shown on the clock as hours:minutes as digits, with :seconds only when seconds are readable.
5:09
